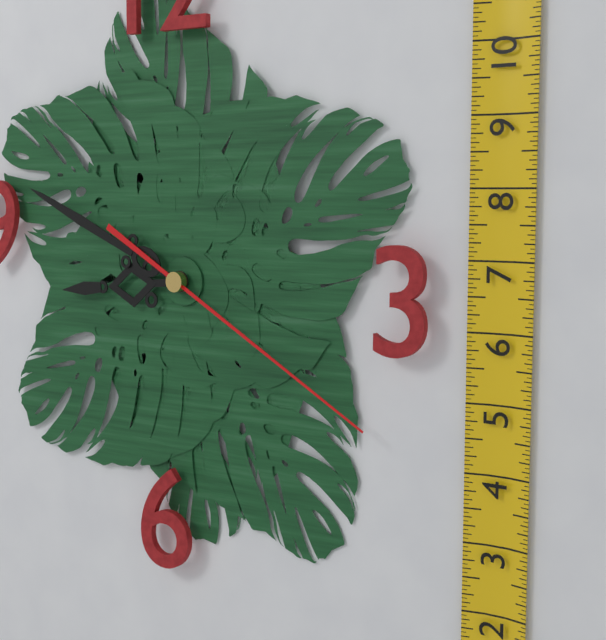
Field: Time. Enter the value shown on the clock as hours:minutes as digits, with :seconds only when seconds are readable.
8:49:20
